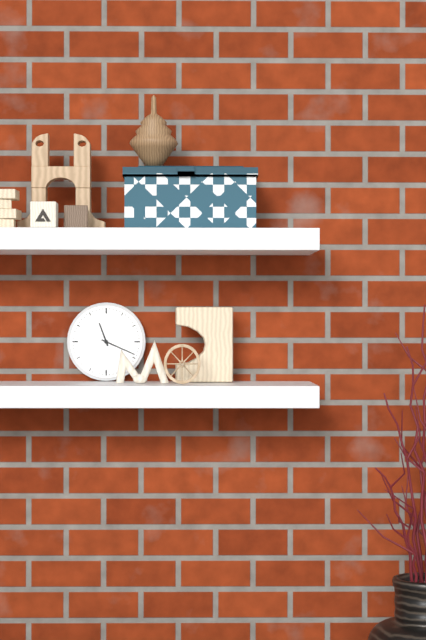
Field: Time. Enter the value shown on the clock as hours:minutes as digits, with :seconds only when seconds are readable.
11:19
